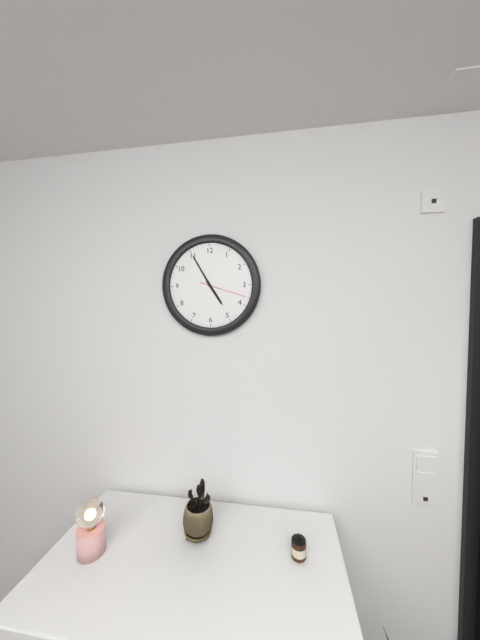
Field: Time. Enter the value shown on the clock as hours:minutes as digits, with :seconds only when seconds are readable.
4:55
